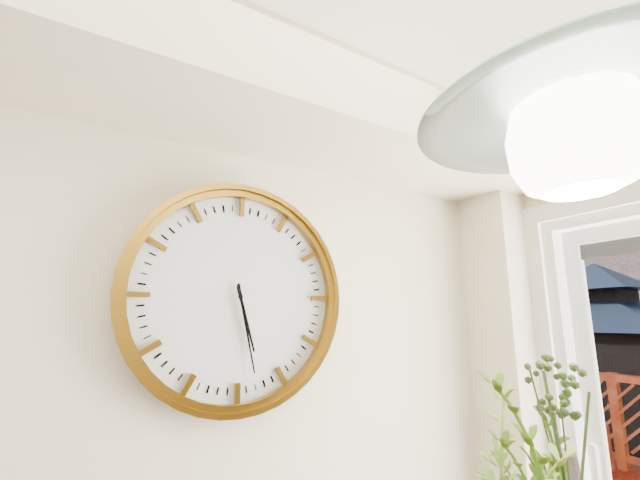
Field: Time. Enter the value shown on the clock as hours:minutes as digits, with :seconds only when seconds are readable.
5:28
